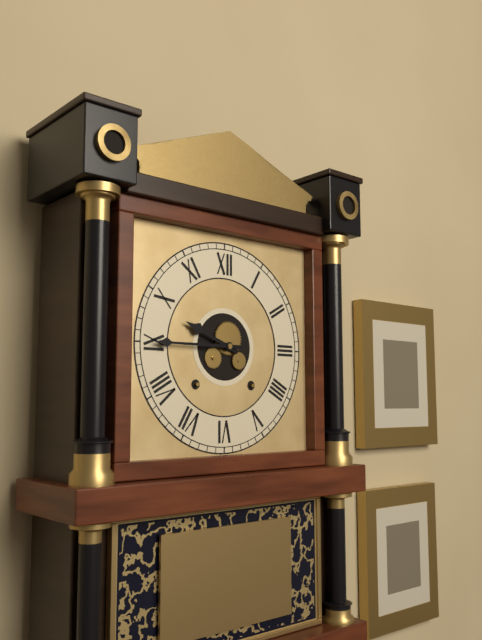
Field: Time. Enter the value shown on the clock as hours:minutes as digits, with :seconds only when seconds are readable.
9:45
